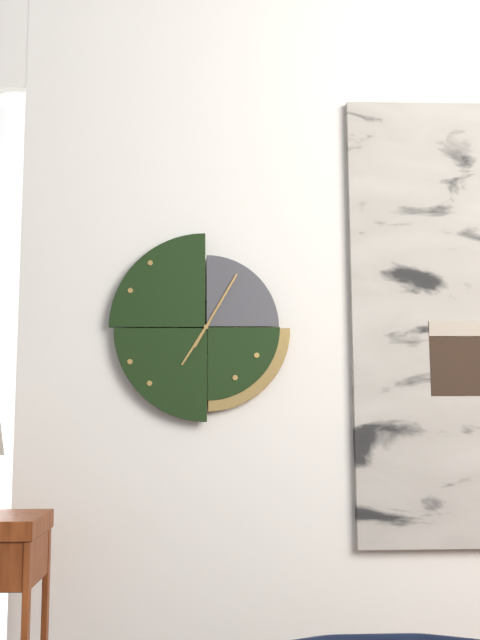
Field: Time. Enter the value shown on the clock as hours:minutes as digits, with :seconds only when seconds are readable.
7:05
